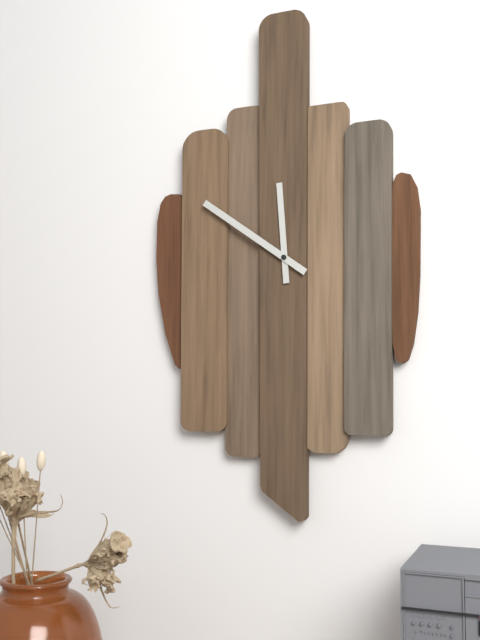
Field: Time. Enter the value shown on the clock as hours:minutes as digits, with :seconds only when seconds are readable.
11:51
